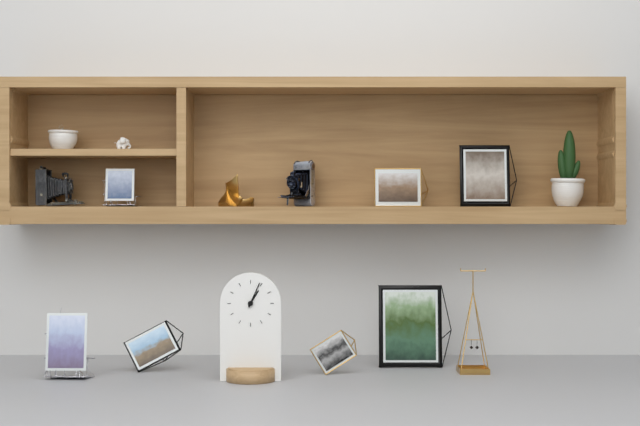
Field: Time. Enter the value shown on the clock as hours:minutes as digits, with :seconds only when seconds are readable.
1:04
